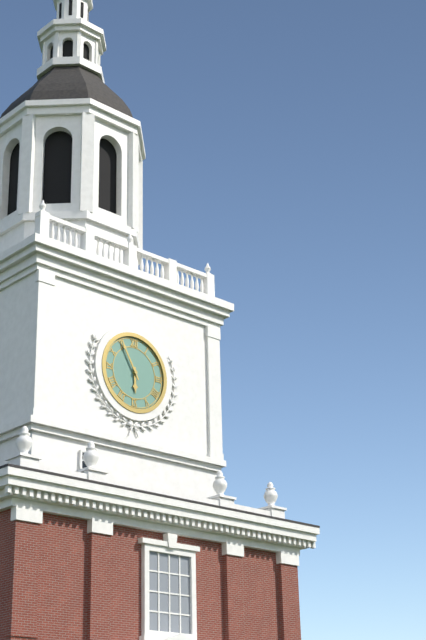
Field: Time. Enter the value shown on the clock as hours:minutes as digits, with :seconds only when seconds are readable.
5:55
